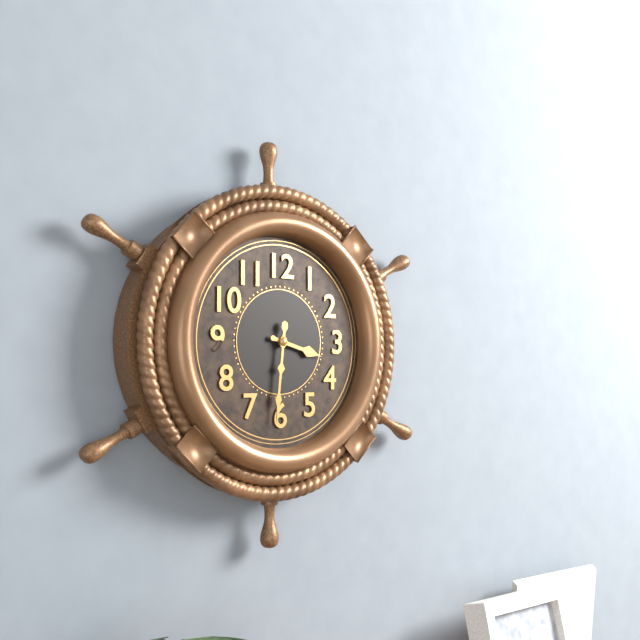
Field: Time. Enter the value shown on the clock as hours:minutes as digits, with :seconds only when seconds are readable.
3:31
